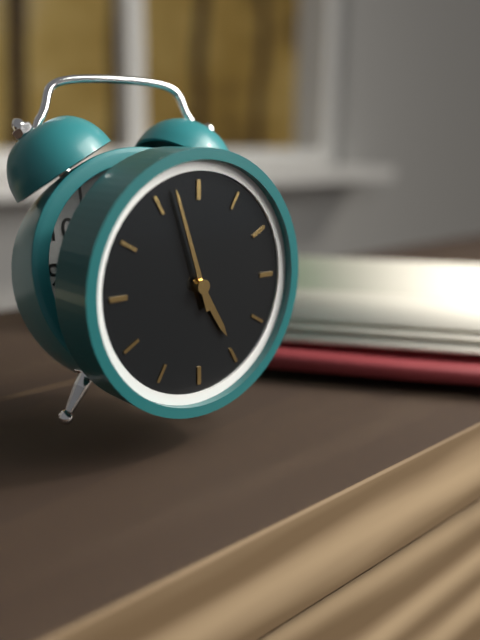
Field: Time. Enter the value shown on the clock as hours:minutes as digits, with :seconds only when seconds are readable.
4:57
